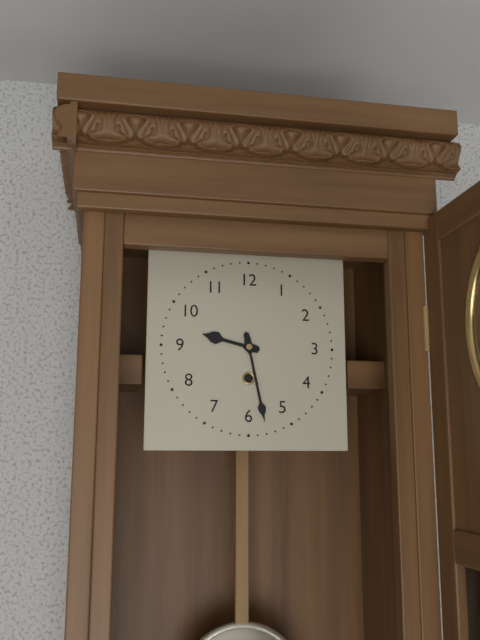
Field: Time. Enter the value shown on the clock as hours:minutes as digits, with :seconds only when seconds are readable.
9:28
